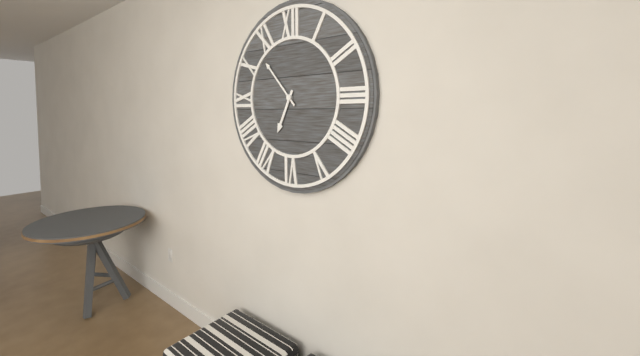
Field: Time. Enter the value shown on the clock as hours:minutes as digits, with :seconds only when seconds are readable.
6:53
